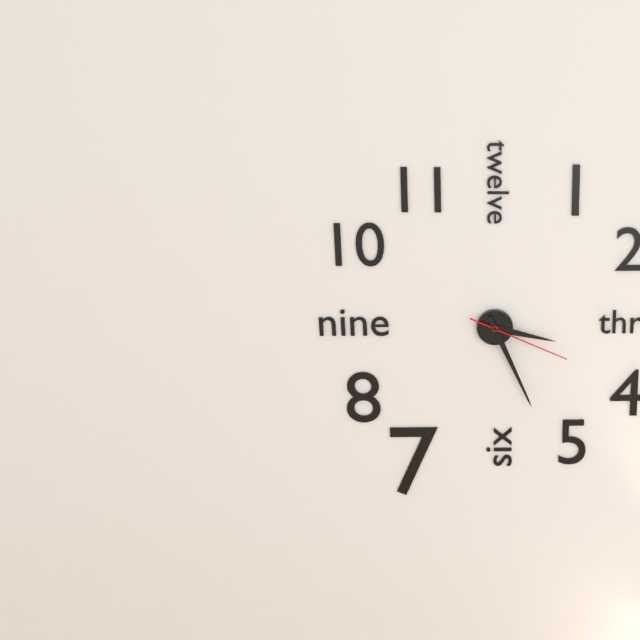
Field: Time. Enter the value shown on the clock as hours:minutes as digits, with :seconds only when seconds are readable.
3:26:19
